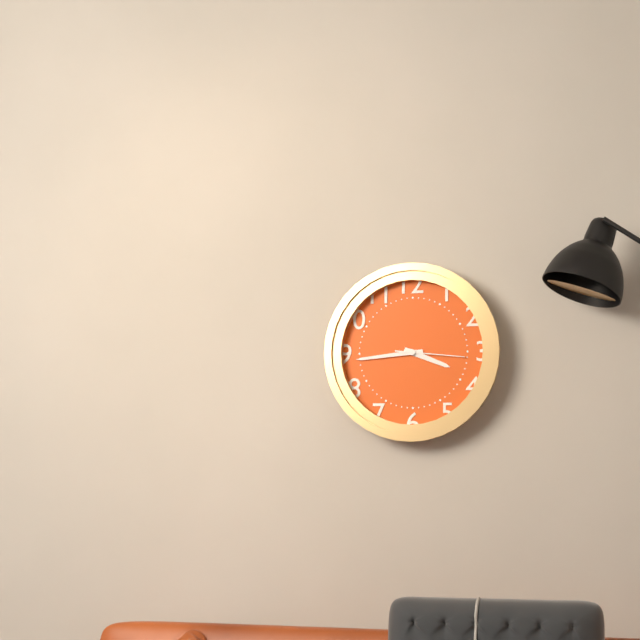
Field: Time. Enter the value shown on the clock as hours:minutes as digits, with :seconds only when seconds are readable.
3:44:16
